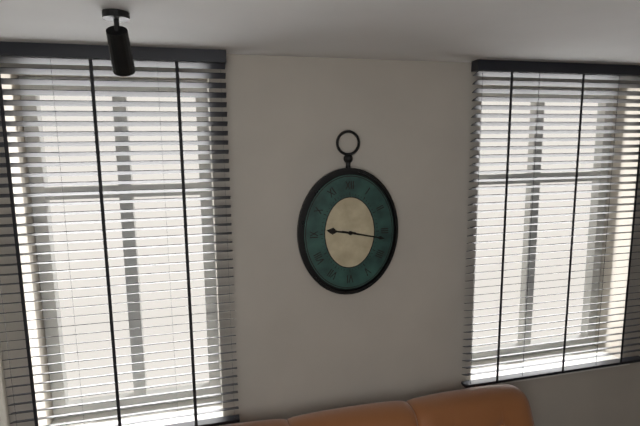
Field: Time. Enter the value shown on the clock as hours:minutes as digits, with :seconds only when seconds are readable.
9:17
